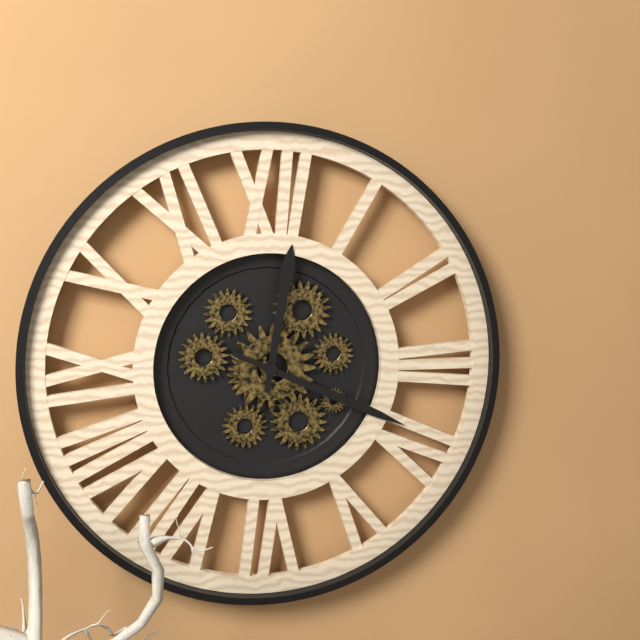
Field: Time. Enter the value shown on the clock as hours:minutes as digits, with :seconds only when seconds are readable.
12:19
